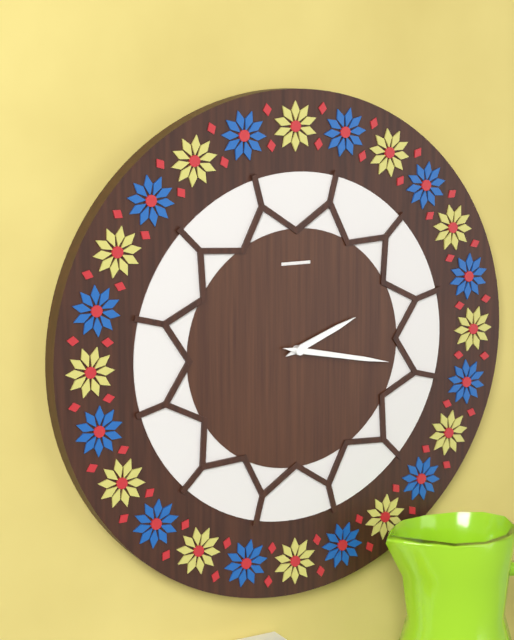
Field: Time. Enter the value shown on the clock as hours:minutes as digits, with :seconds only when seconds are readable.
2:17
